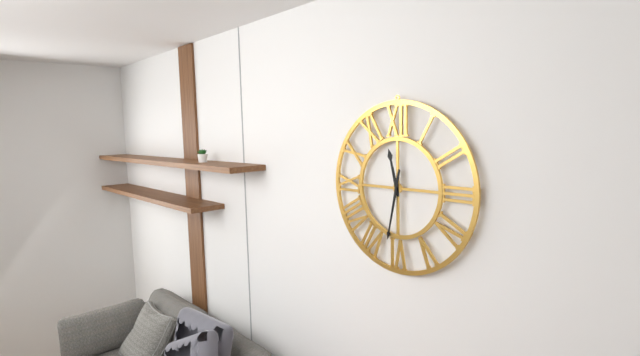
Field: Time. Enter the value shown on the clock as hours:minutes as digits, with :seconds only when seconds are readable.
11:32
